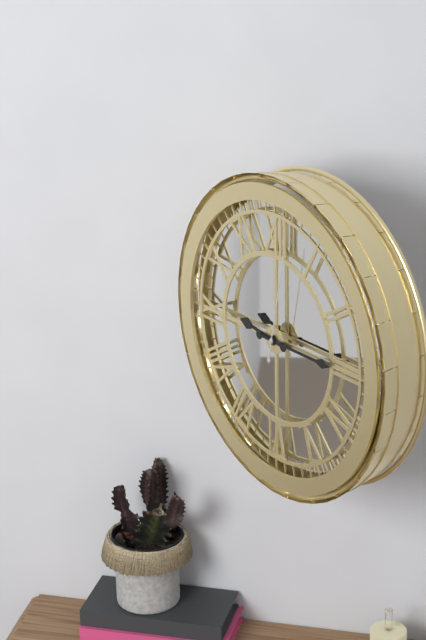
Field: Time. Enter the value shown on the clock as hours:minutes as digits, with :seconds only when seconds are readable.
9:15:02
